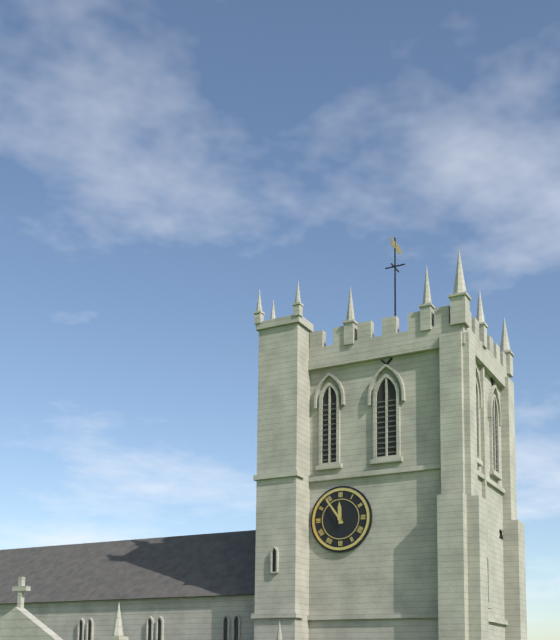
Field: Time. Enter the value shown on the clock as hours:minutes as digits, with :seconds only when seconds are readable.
11:54
